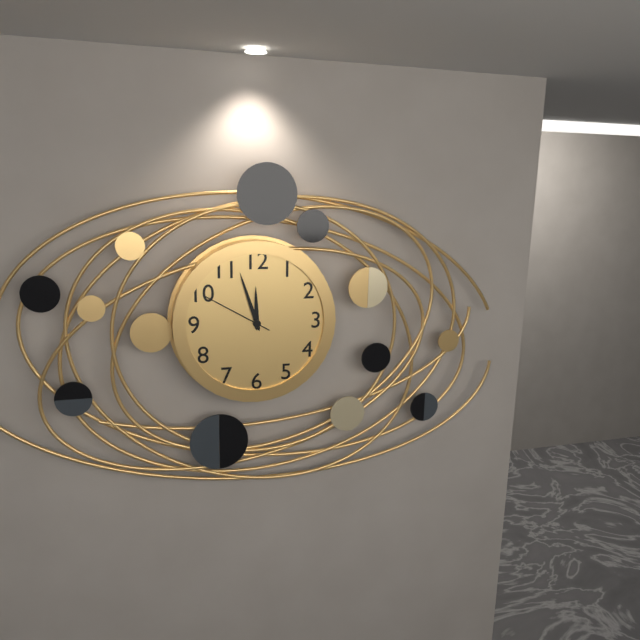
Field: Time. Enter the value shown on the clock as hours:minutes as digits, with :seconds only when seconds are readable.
11:57:50
